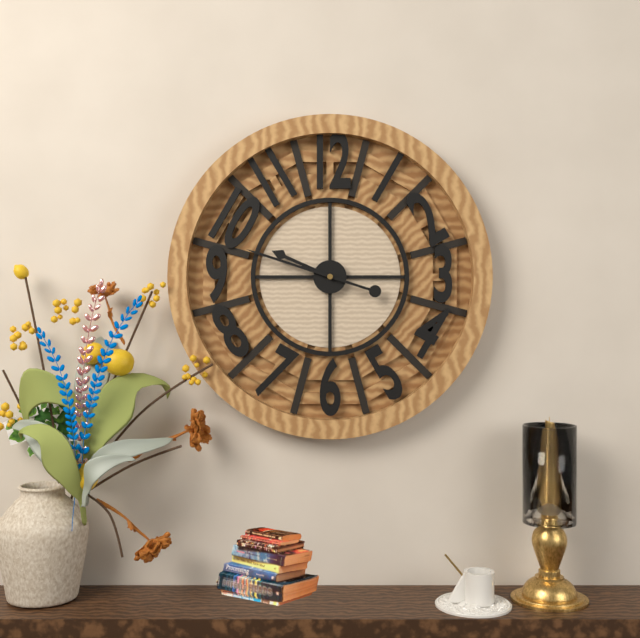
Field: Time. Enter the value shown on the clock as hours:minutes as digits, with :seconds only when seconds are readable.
9:48
